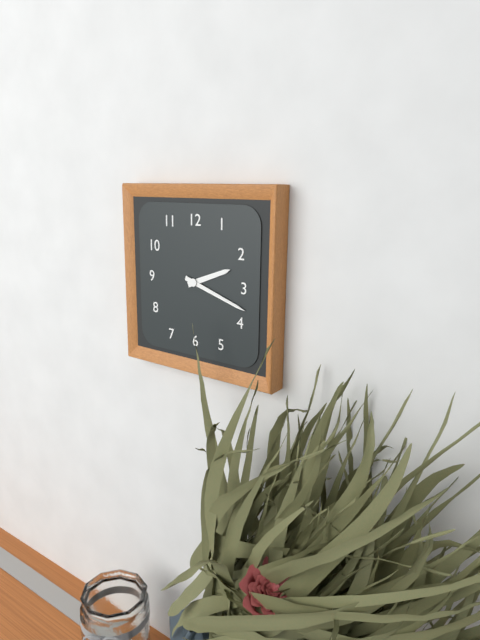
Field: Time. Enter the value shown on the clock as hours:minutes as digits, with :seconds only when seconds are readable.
2:18
